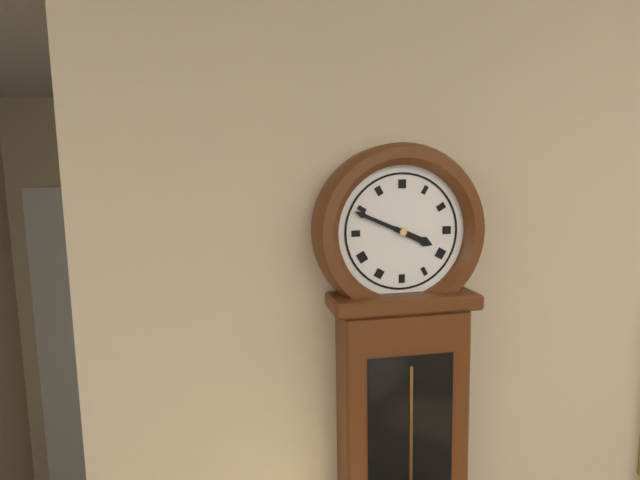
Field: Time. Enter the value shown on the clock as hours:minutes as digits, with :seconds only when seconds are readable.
3:49
